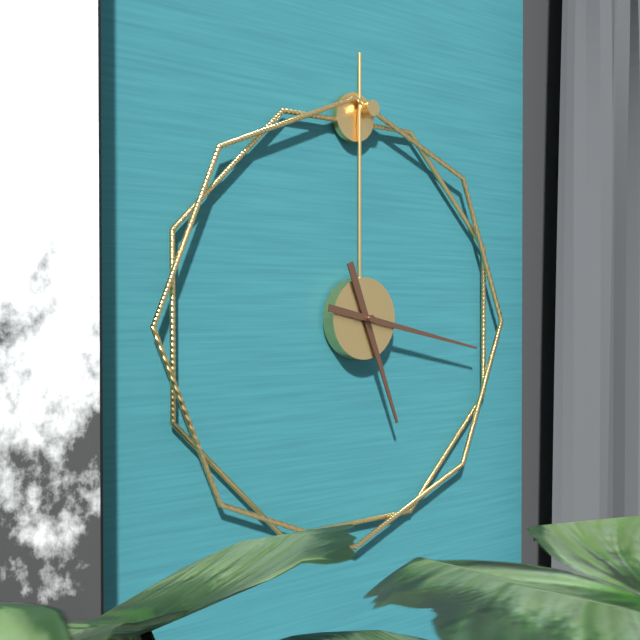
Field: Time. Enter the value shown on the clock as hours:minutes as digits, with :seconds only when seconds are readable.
5:17
